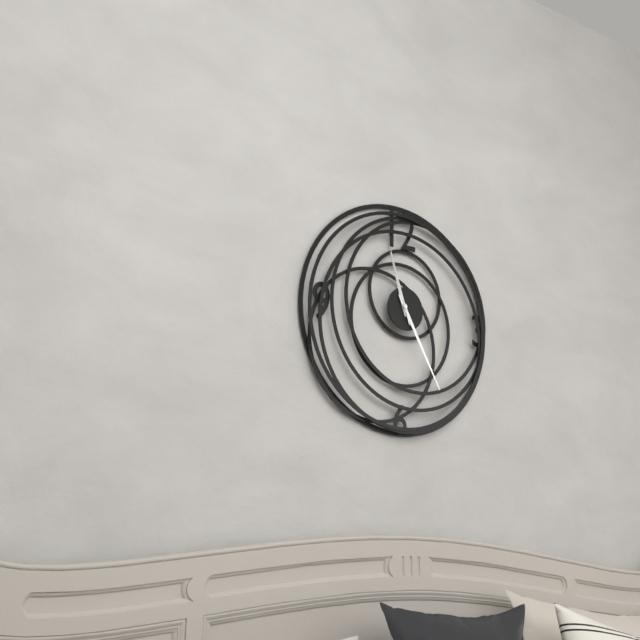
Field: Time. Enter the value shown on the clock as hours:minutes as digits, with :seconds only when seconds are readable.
11:25:57
